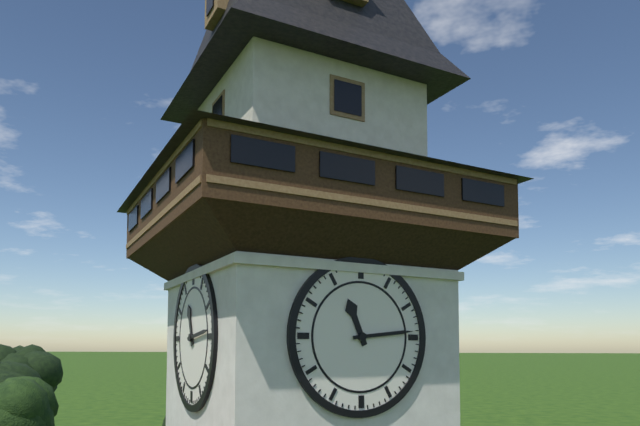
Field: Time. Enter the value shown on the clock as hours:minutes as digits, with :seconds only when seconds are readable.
11:14
